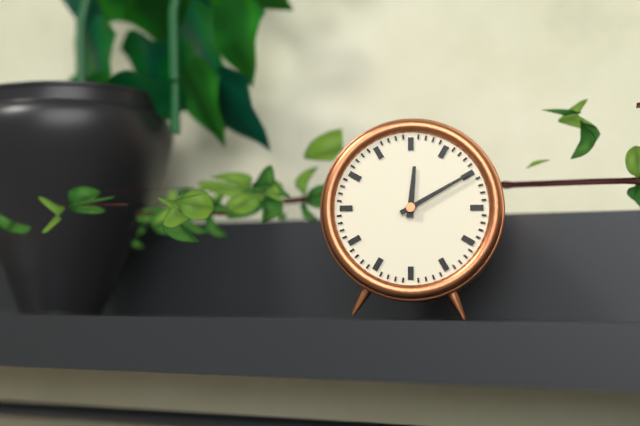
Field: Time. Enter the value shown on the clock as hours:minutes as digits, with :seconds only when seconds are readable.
12:10
